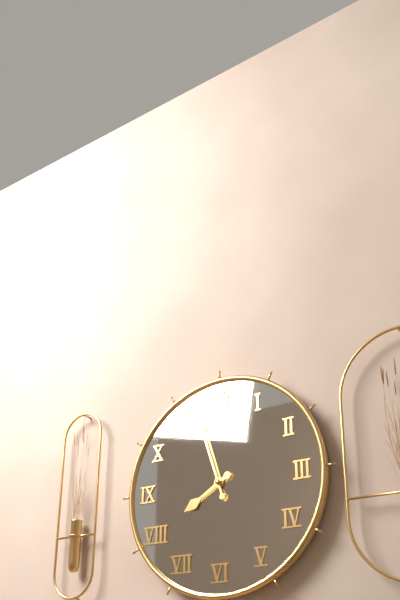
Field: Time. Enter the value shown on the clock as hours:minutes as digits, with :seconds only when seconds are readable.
7:57
